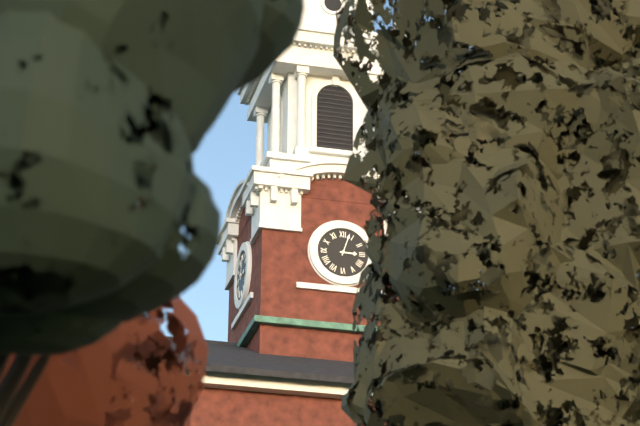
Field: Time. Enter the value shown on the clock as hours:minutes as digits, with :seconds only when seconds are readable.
3:03
